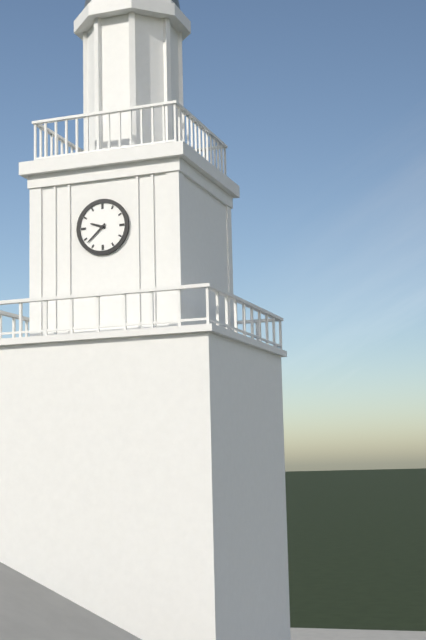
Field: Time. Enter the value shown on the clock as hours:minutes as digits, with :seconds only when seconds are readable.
9:38
